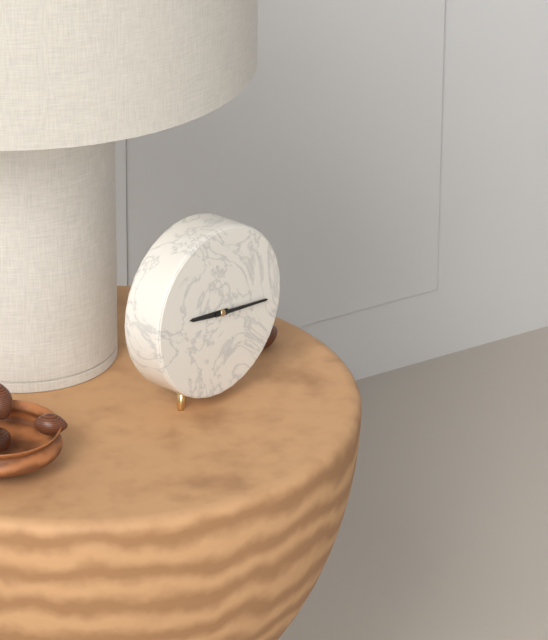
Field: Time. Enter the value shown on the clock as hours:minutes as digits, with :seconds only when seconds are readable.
9:16
